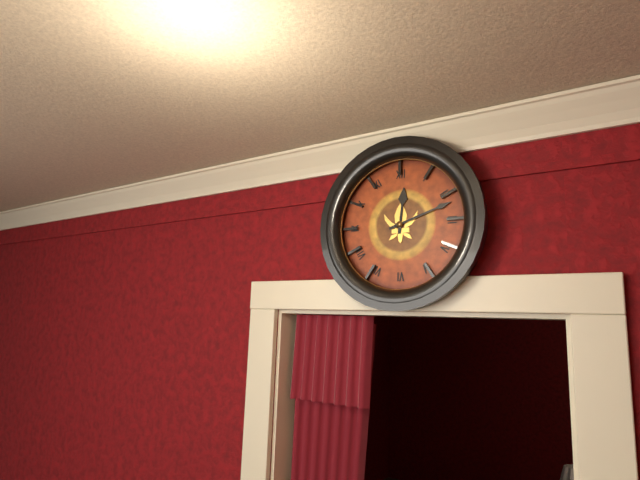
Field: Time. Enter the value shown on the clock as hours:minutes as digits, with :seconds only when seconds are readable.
12:12
